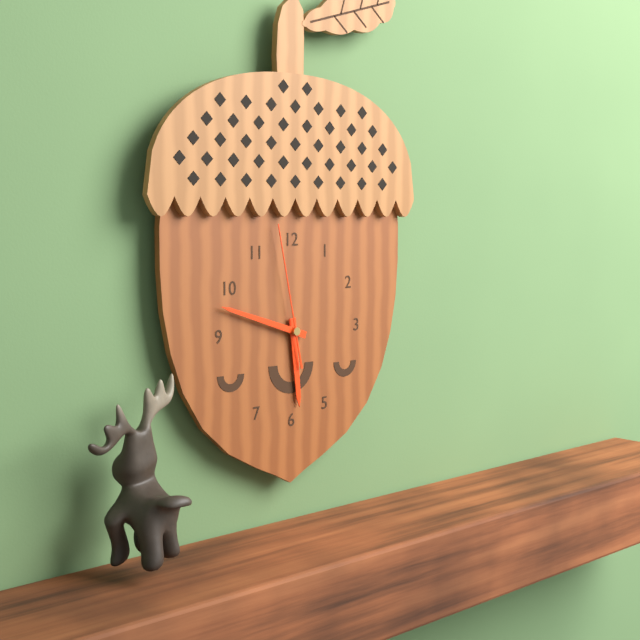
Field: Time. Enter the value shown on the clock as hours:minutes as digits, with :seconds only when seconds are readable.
5:48:58
